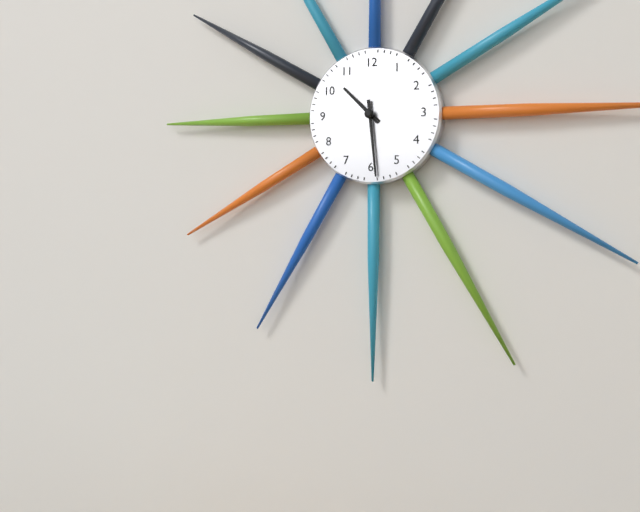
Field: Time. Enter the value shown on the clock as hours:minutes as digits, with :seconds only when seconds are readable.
10:29
